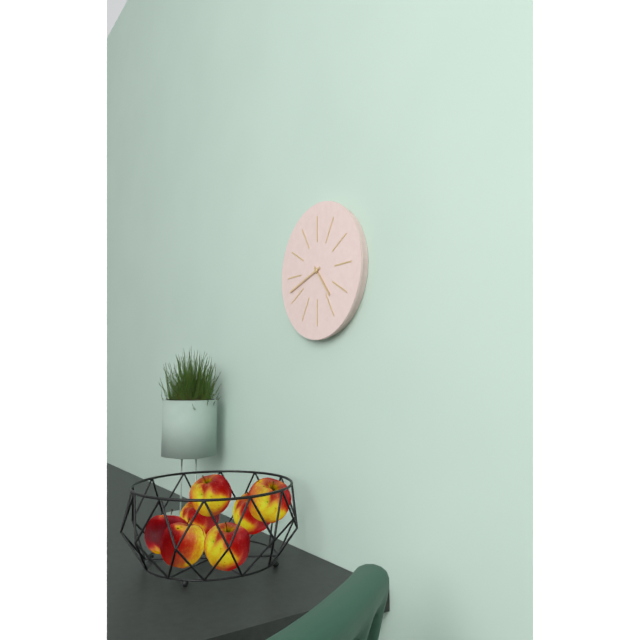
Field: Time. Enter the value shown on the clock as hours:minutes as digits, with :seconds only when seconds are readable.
4:42
